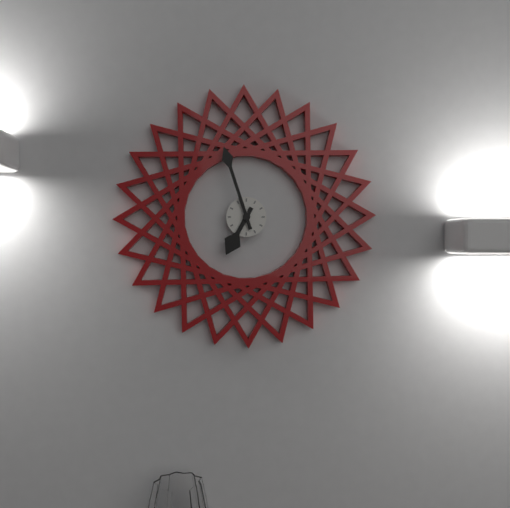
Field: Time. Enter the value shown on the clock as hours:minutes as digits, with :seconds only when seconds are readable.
6:57
